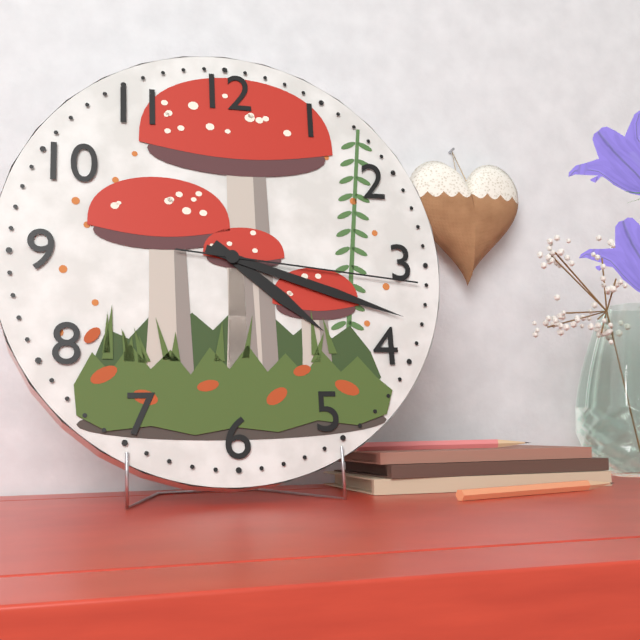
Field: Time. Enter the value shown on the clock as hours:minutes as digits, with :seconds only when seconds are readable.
4:18:16
